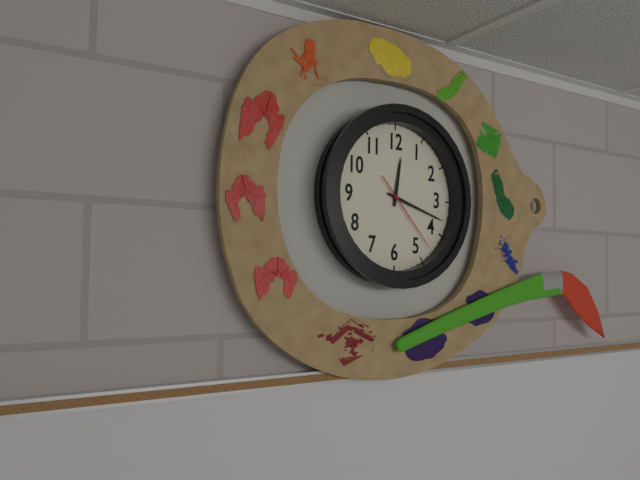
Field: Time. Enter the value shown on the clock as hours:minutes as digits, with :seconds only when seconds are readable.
12:18:23
